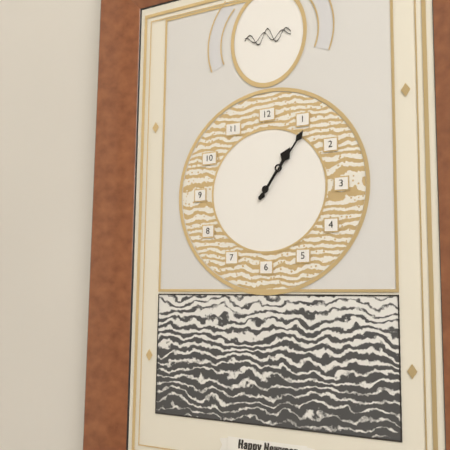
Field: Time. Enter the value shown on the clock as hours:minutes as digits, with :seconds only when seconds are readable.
1:06
